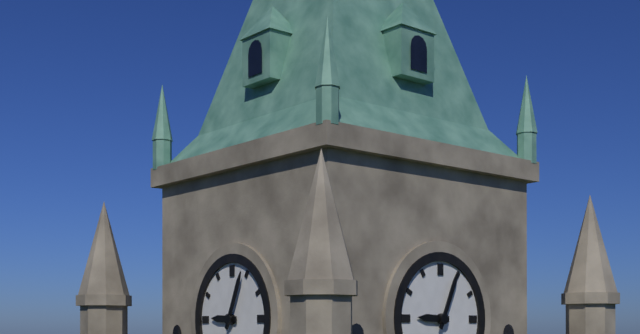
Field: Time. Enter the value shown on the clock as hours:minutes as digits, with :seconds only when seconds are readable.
9:04
